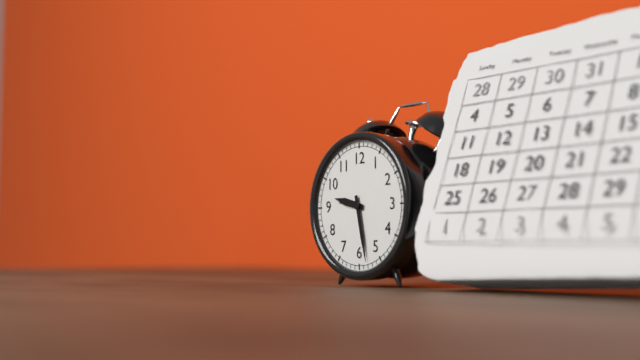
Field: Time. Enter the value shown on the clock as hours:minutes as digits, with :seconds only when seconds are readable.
9:28
